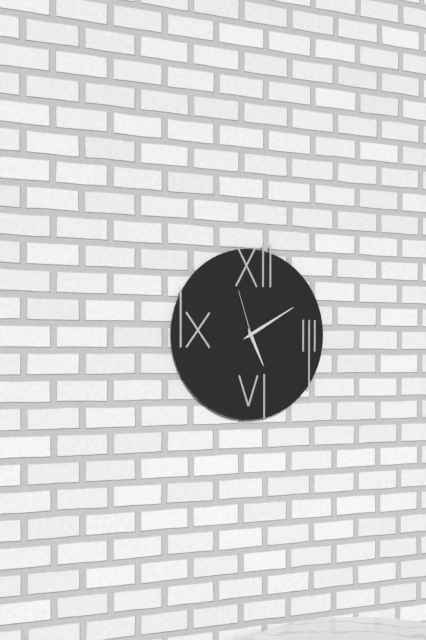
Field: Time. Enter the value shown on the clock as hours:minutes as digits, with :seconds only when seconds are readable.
5:10:57
